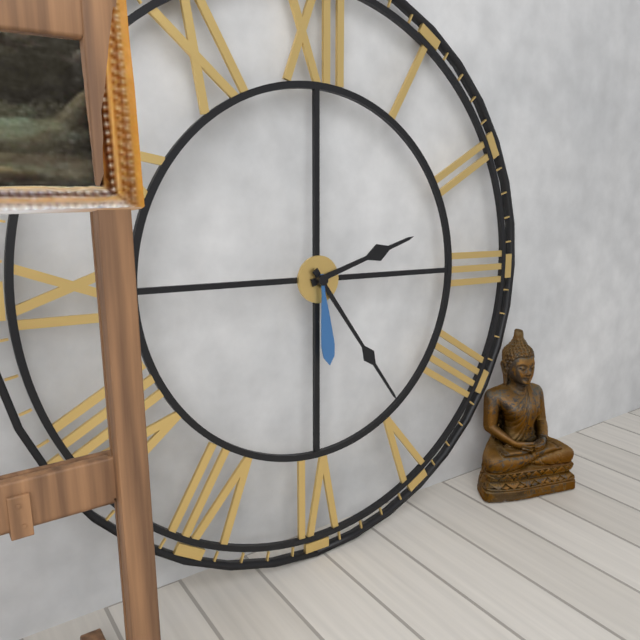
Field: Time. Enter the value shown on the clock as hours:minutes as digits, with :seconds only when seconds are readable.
2:24:29
